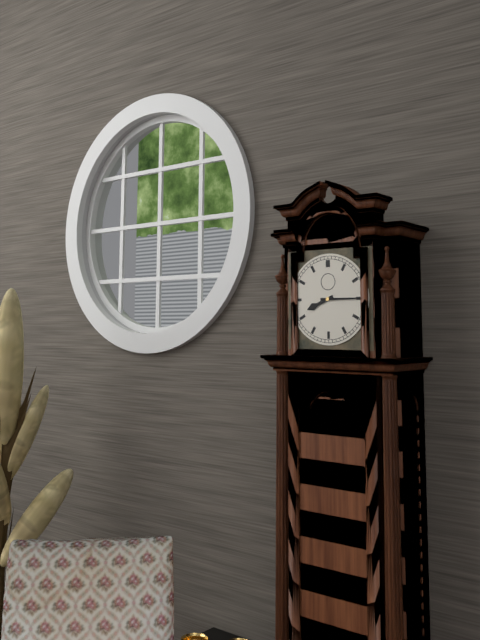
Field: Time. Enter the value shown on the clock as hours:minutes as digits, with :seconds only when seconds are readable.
8:15
